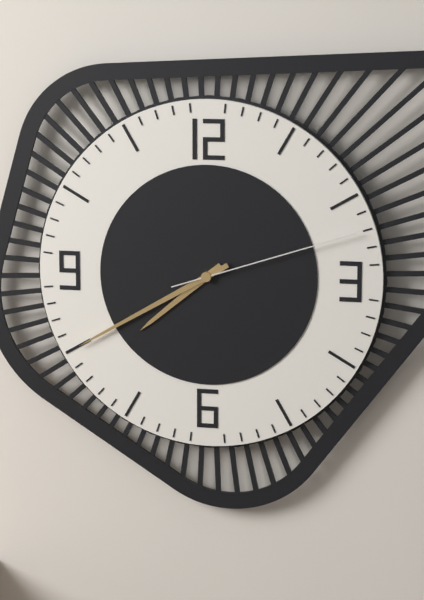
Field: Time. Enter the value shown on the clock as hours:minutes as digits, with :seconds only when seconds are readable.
7:40:12
